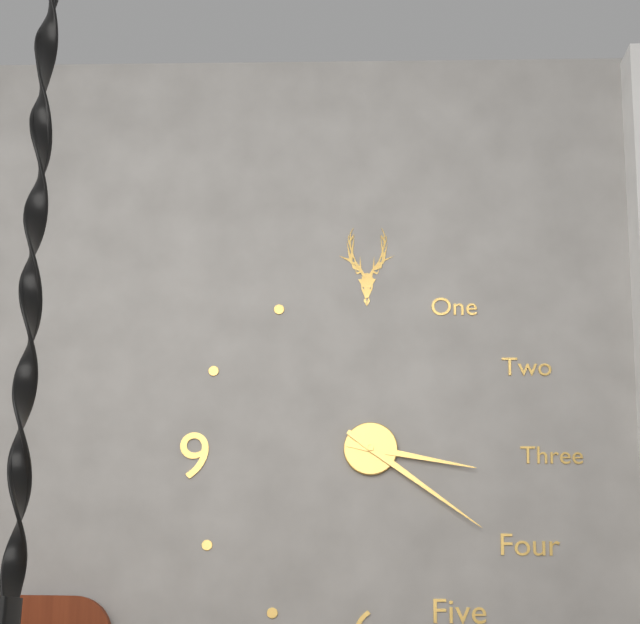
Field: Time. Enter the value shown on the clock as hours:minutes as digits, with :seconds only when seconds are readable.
3:21
